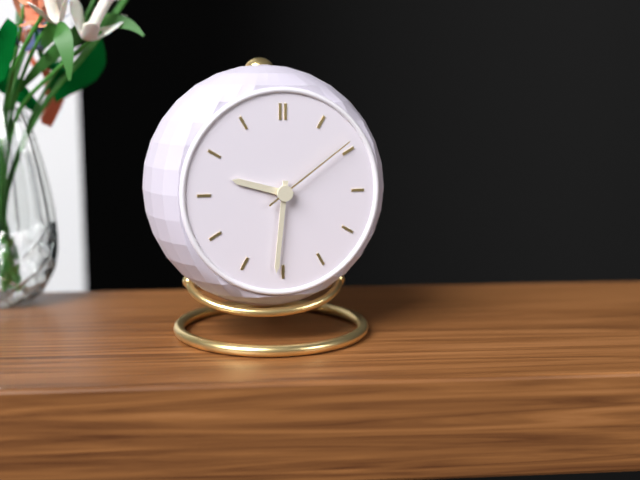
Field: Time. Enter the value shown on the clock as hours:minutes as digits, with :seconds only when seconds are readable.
9:31:09
